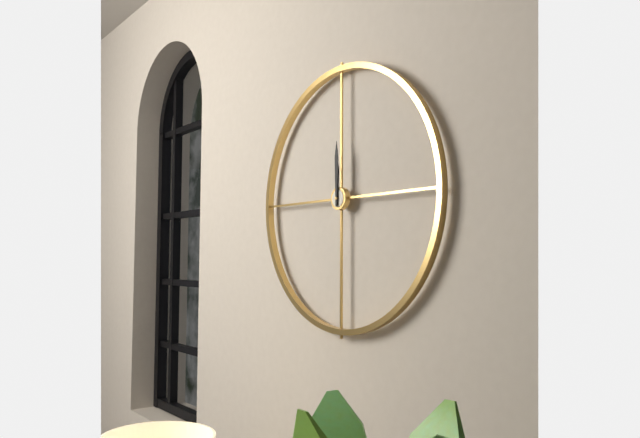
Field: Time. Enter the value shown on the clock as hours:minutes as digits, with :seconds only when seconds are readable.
12:00
